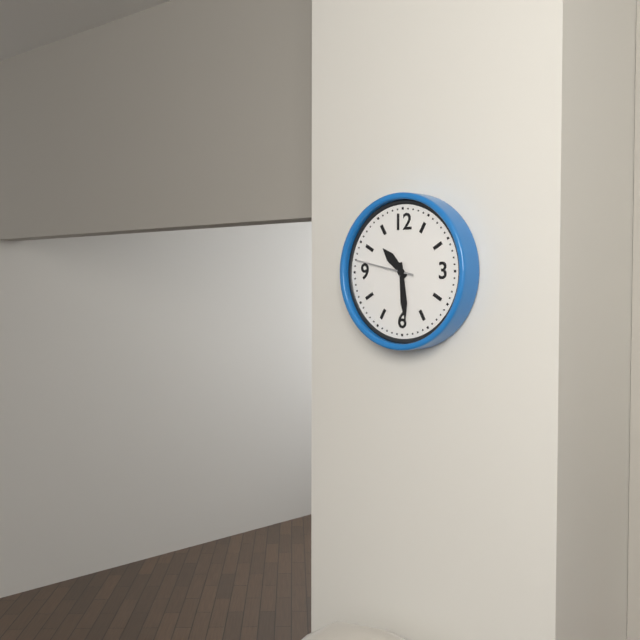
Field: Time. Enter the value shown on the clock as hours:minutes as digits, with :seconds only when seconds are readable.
10:29:47
